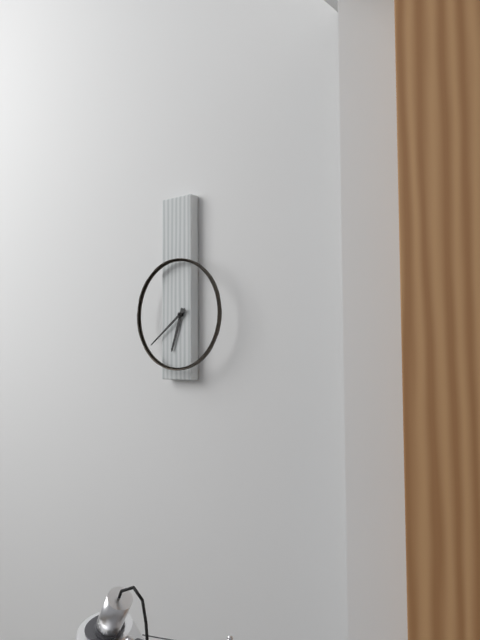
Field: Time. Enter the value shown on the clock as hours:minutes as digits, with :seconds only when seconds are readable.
6:39
